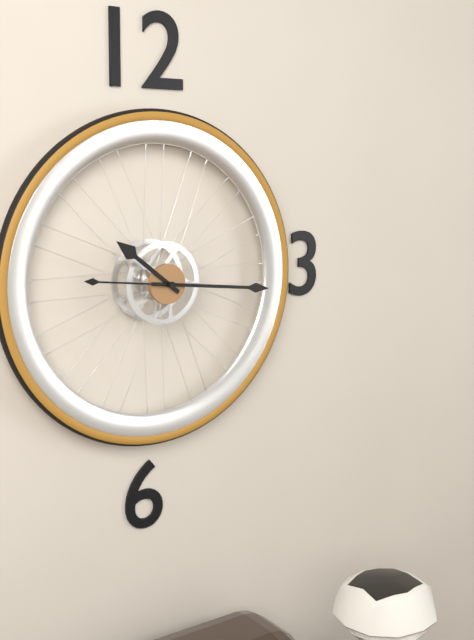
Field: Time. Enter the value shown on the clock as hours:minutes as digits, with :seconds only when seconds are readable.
10:16:46
